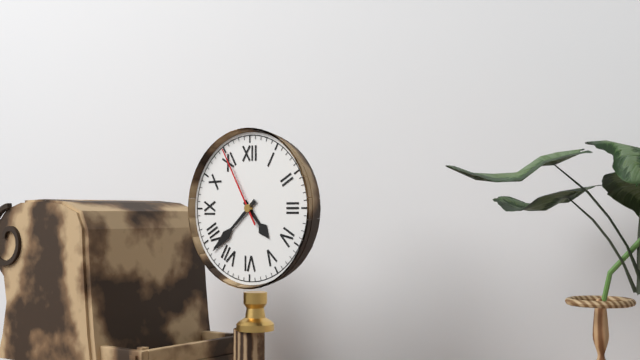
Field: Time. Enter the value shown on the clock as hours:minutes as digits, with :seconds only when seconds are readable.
4:38:55
